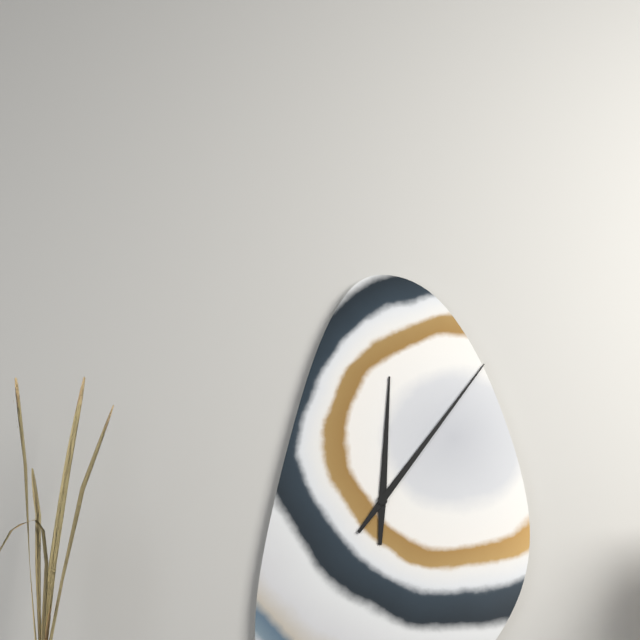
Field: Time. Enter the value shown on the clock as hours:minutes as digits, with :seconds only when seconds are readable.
12:06
